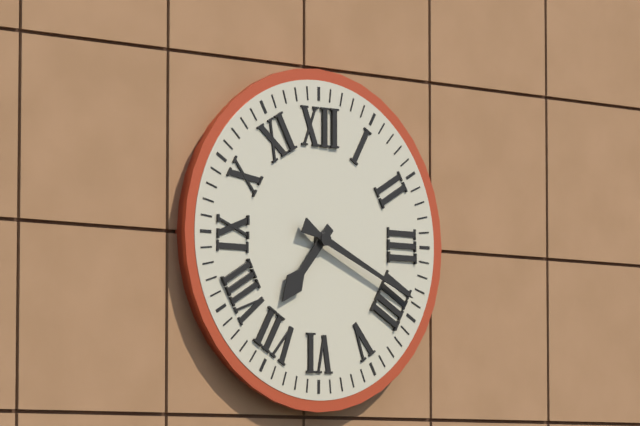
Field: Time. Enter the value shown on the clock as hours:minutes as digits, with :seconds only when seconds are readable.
7:19
